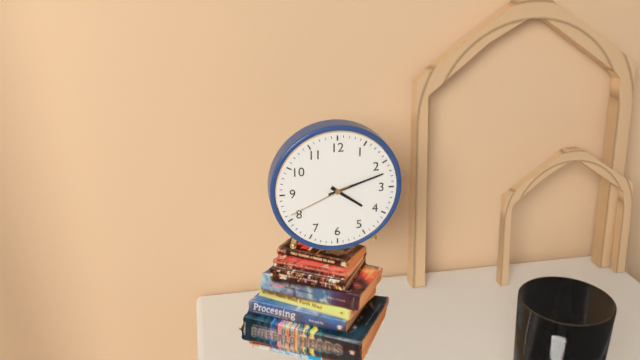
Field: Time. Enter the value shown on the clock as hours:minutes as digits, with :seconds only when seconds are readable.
4:12:41
